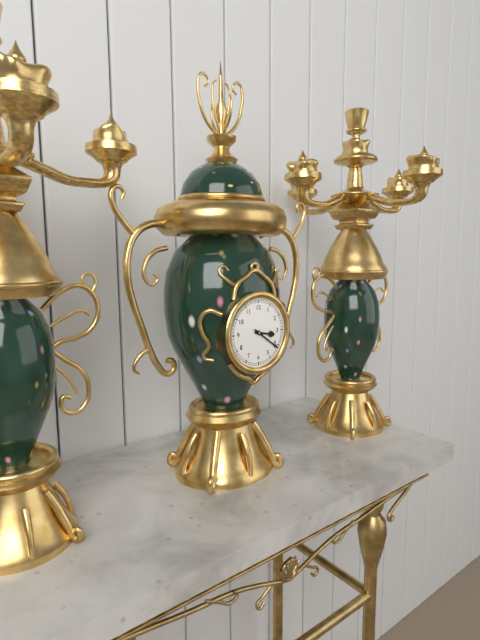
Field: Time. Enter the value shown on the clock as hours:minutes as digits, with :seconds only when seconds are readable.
3:21
